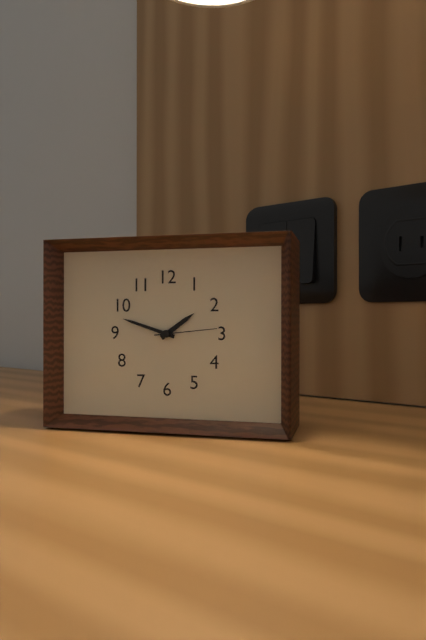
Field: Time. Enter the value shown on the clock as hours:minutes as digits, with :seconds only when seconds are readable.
1:48
